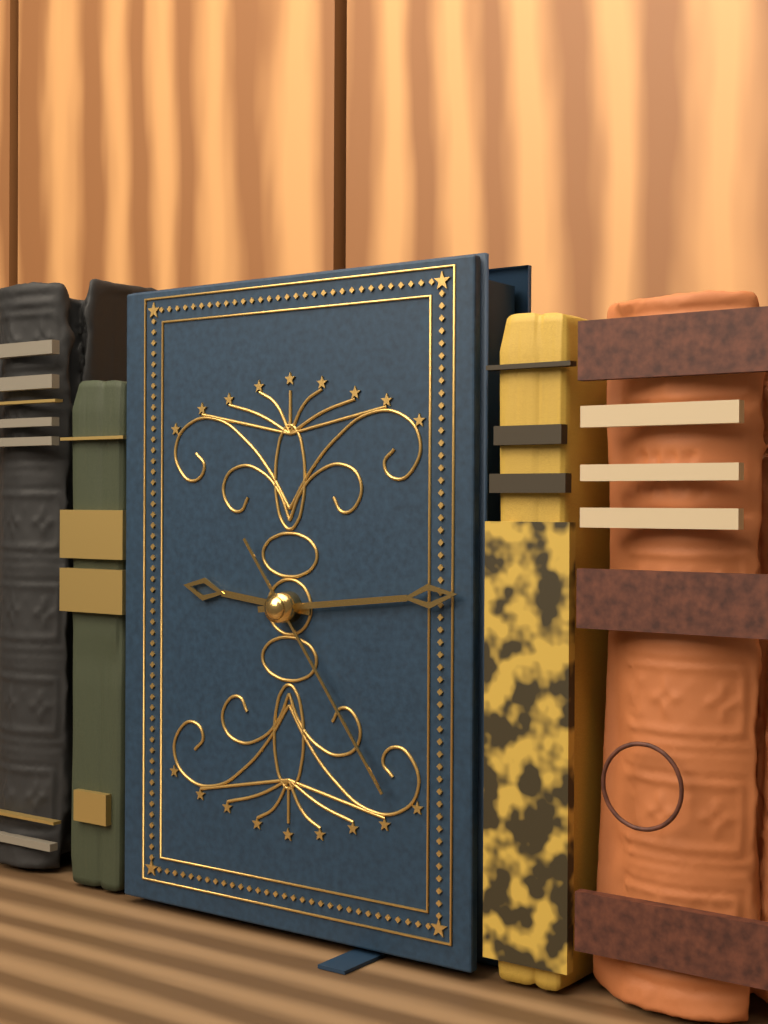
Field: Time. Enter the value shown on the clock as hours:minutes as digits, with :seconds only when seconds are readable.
9:14:24
